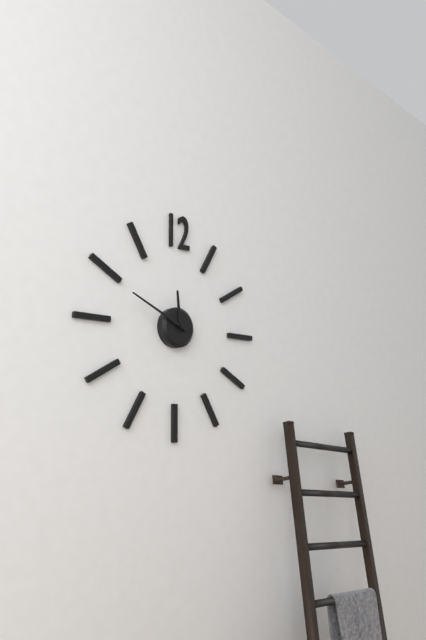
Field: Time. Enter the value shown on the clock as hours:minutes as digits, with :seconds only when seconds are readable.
11:49
